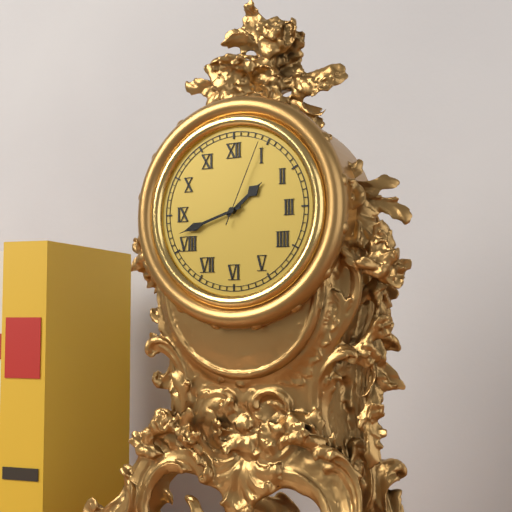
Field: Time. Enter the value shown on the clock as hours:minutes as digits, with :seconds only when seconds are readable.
1:42:04
